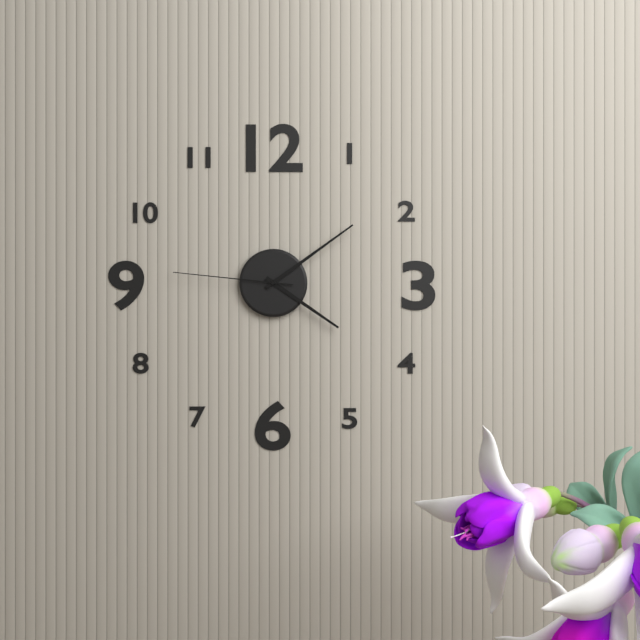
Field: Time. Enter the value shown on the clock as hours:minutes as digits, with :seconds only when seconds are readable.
4:09:46
